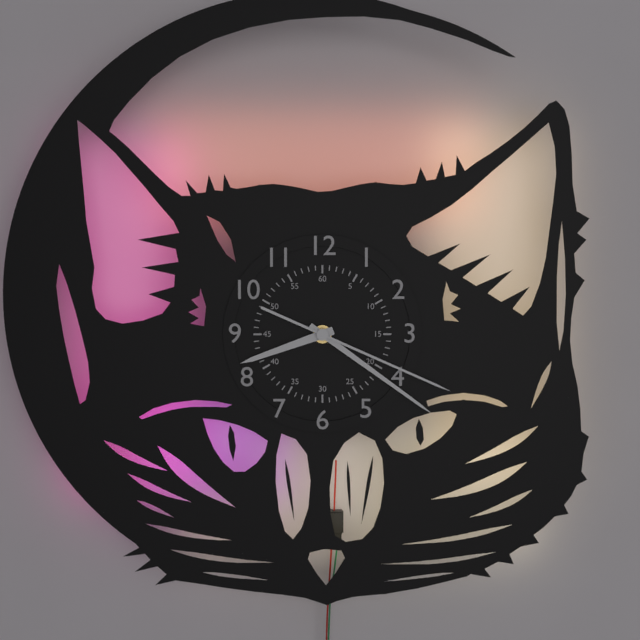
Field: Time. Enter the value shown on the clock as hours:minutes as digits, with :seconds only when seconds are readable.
8:21:19
